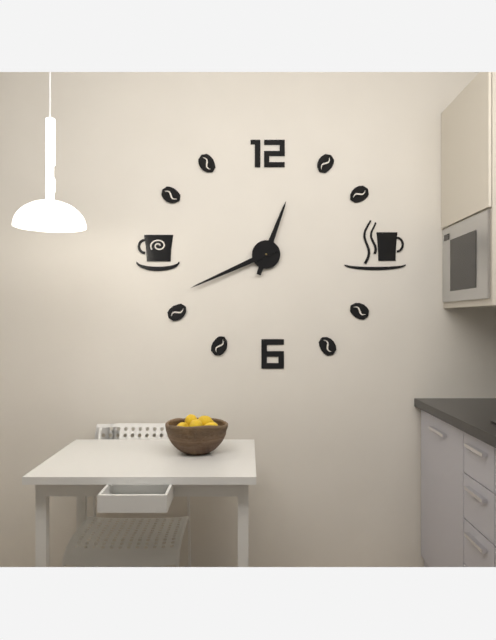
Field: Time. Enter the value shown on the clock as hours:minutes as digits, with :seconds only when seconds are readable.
12:41
